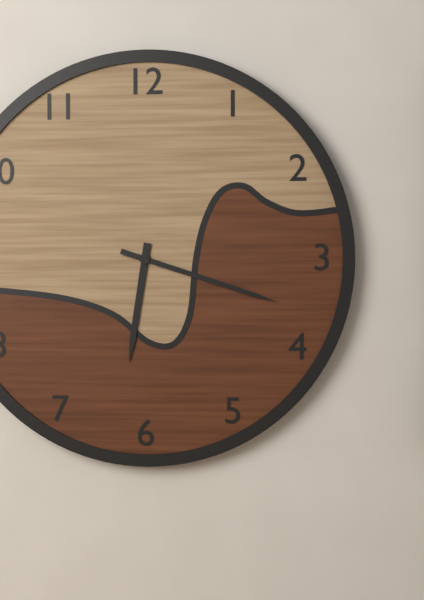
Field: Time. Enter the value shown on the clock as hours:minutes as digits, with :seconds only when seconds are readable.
6:18
